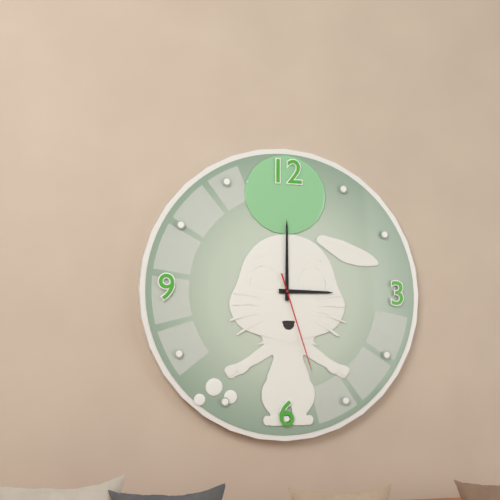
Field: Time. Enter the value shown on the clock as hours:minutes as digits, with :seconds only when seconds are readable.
3:00:27
